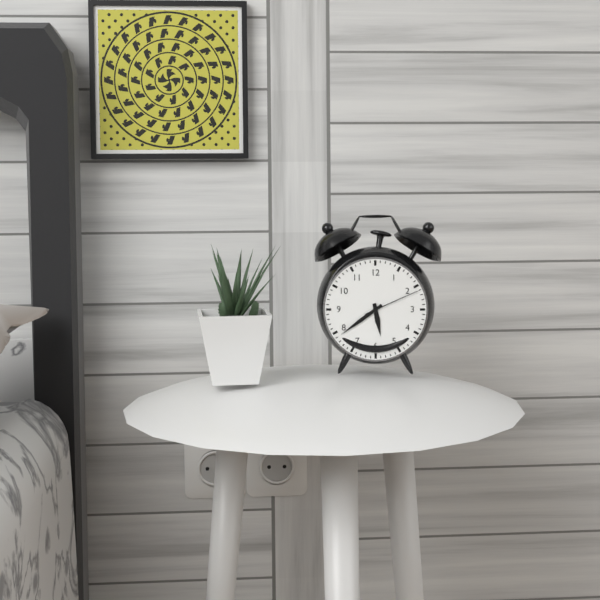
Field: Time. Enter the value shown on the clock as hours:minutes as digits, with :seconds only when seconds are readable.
5:39:11
